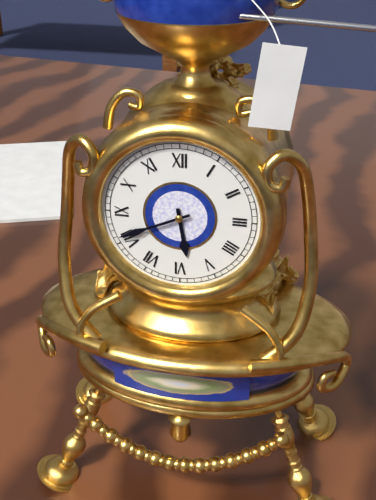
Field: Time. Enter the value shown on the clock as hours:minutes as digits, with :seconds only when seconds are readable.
5:41
